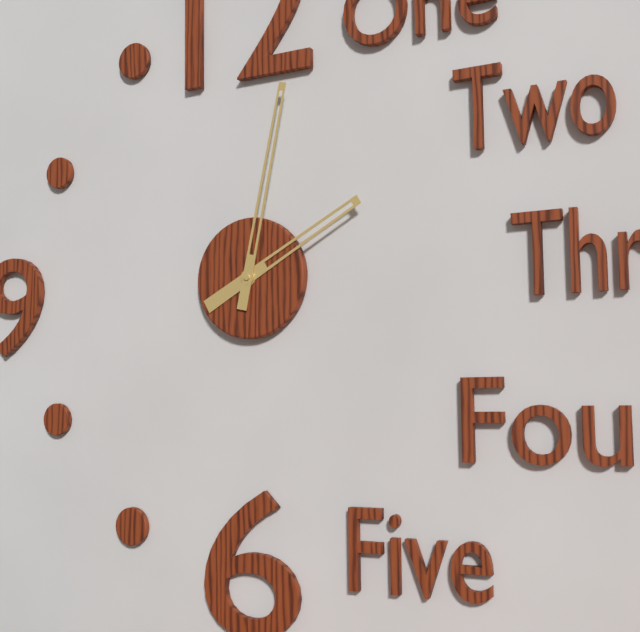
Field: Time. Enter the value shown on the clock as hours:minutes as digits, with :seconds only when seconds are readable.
2:02
